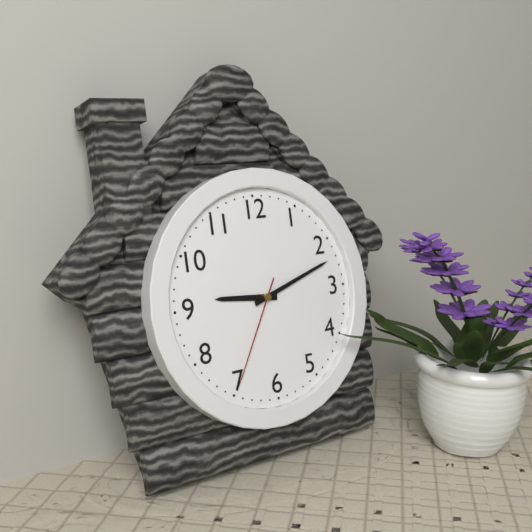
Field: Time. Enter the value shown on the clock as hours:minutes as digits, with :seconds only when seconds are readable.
9:12:35
